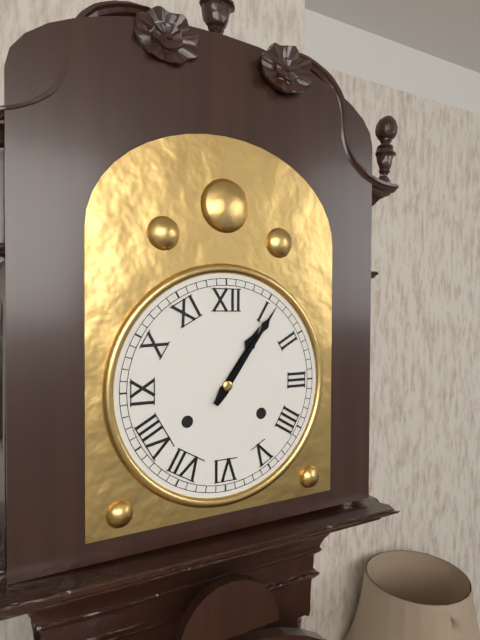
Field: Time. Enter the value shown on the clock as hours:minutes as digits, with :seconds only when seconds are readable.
1:06
